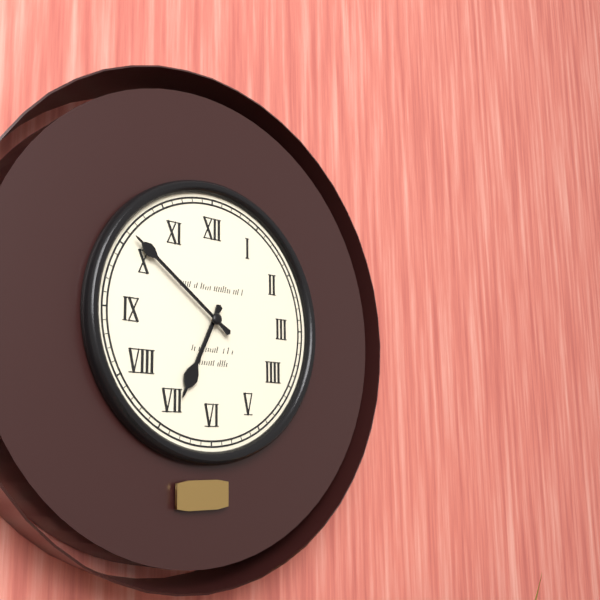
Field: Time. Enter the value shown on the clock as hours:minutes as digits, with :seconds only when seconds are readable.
6:51
